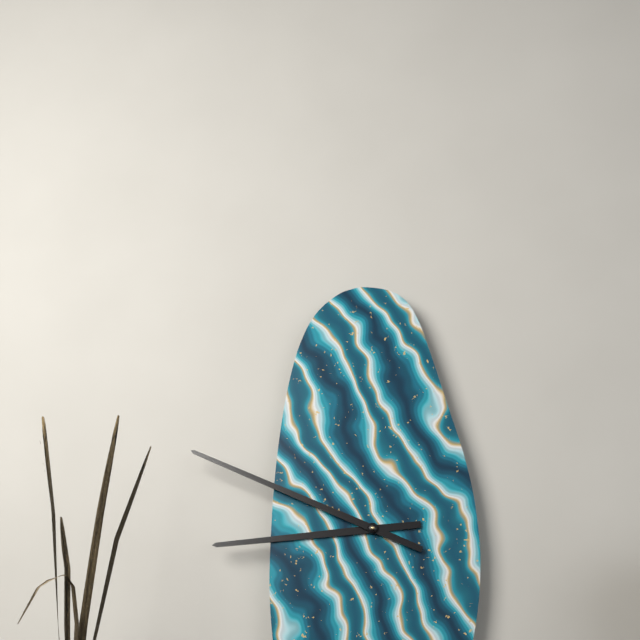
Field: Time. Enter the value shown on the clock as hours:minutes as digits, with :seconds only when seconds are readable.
8:49
